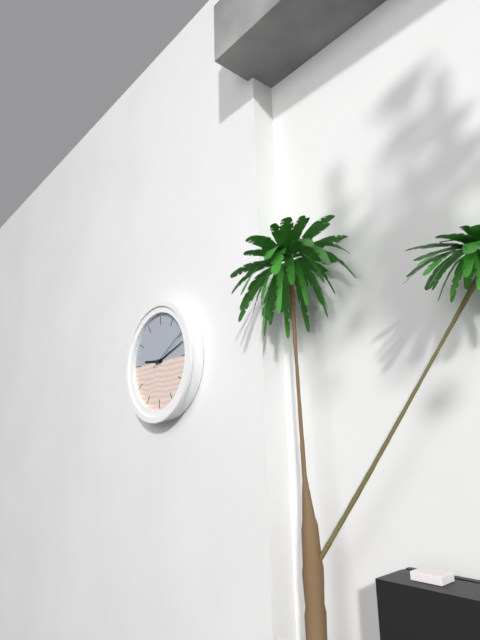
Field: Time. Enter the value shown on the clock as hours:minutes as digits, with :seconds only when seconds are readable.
9:12
